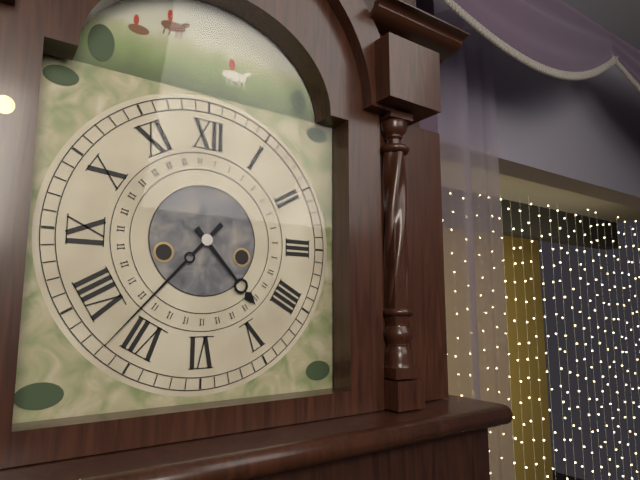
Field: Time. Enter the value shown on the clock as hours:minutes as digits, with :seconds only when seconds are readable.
4:37
